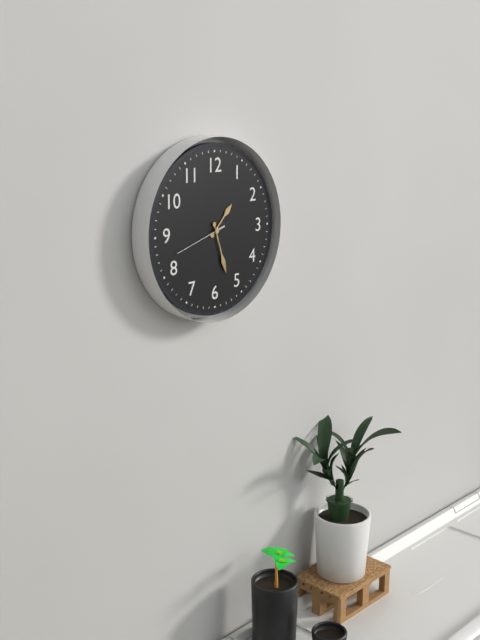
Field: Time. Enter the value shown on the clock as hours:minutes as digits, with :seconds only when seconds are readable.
1:27:42
